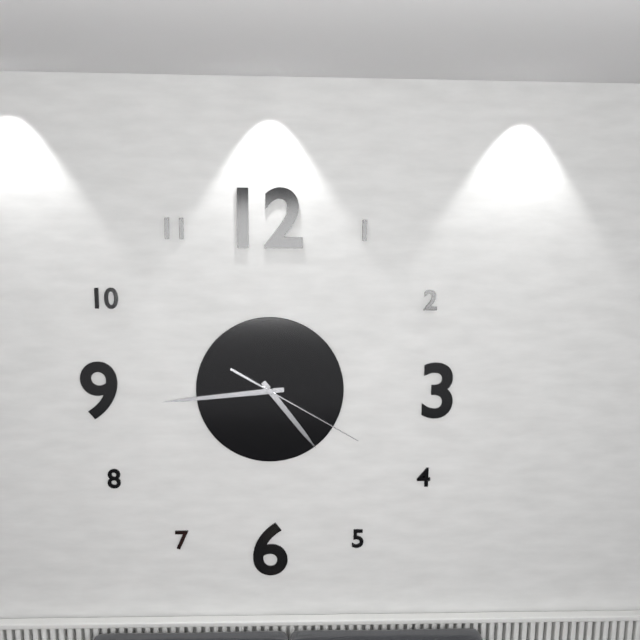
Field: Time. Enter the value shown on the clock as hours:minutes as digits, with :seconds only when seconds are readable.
4:44:20
